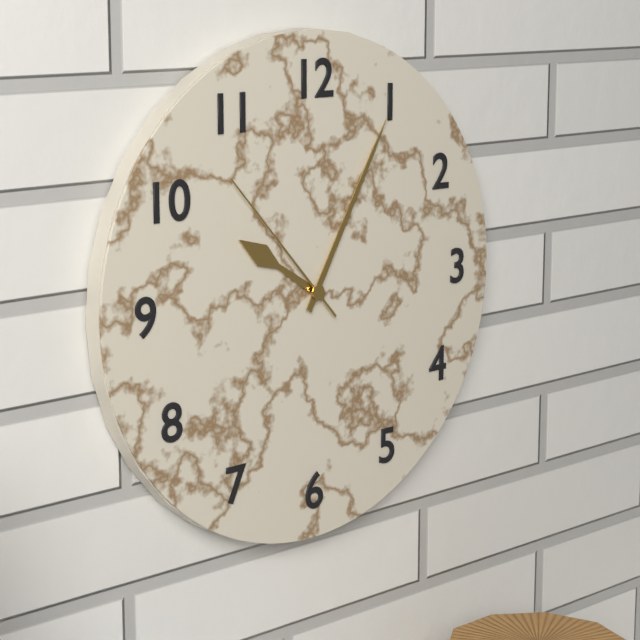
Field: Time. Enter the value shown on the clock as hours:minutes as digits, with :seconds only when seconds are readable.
10:05:53
